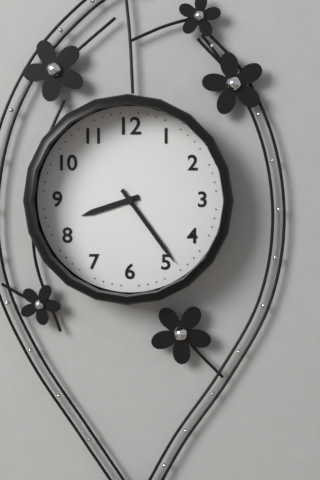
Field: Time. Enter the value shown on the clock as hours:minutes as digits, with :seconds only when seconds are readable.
8:24
